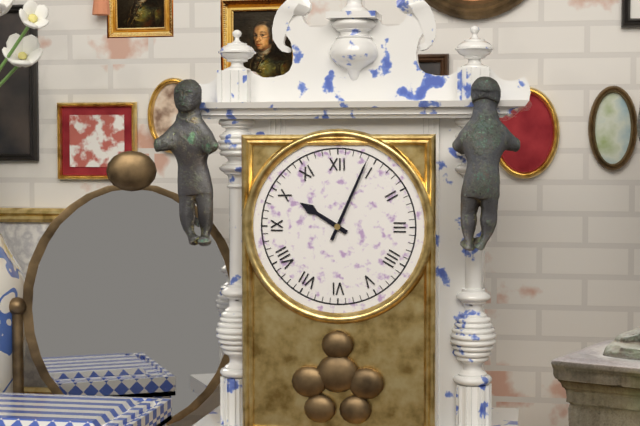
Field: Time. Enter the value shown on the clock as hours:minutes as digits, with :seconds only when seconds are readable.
10:04
